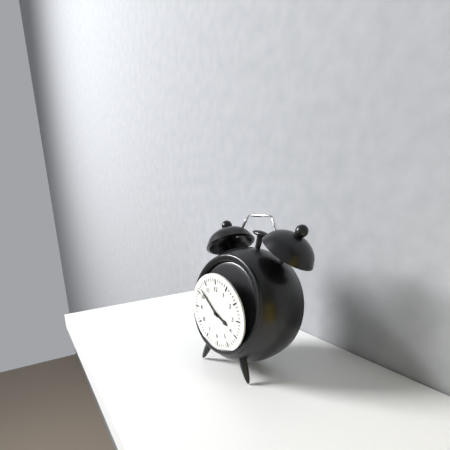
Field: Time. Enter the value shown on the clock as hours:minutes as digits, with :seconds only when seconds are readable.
3:52
